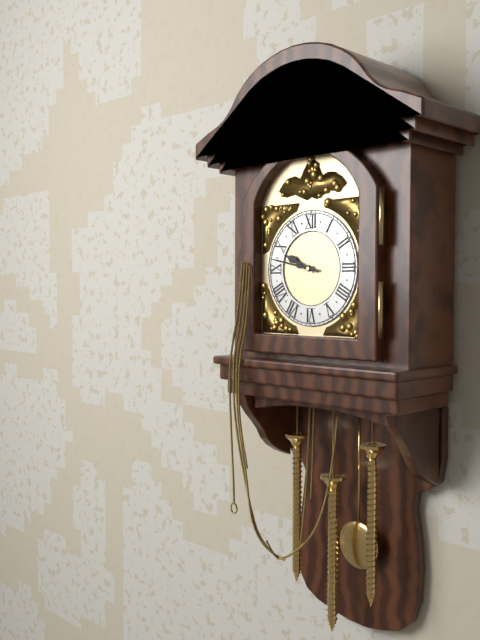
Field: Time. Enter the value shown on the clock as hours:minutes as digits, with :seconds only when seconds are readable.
9:47
